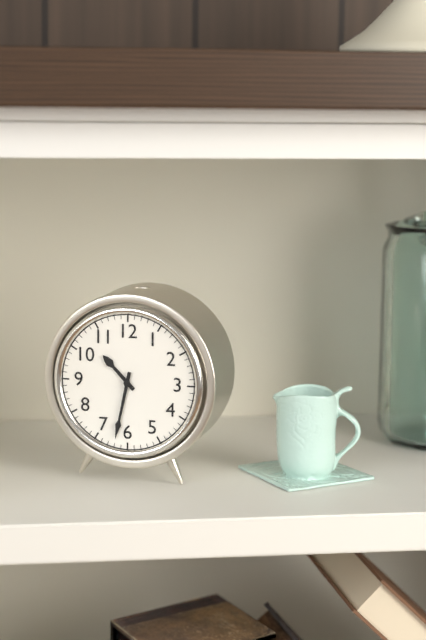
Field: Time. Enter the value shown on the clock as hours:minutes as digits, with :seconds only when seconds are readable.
10:32
